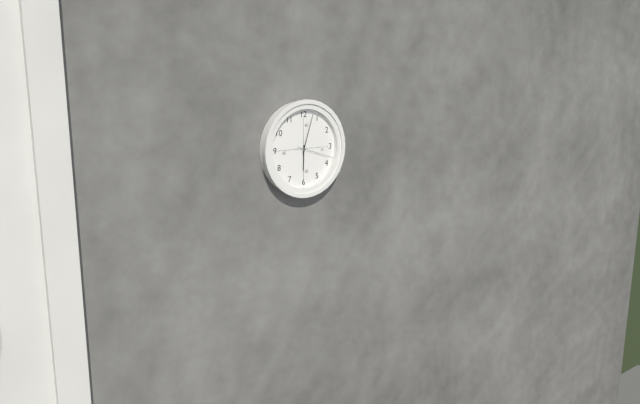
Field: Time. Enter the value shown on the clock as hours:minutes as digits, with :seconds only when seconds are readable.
6:03
